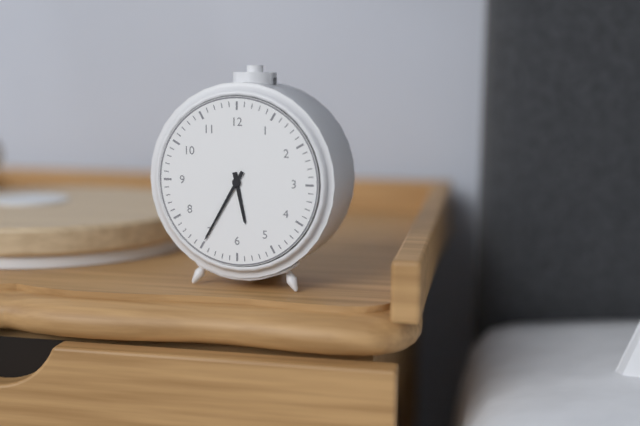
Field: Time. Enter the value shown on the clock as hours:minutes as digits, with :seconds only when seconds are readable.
5:35
